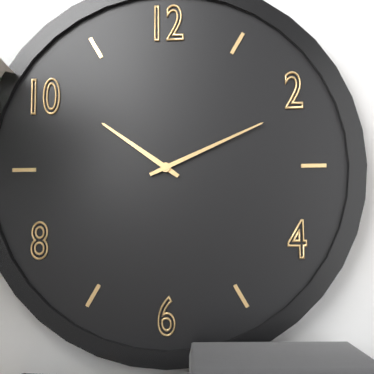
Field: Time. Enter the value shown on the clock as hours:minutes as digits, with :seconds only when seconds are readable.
10:11
